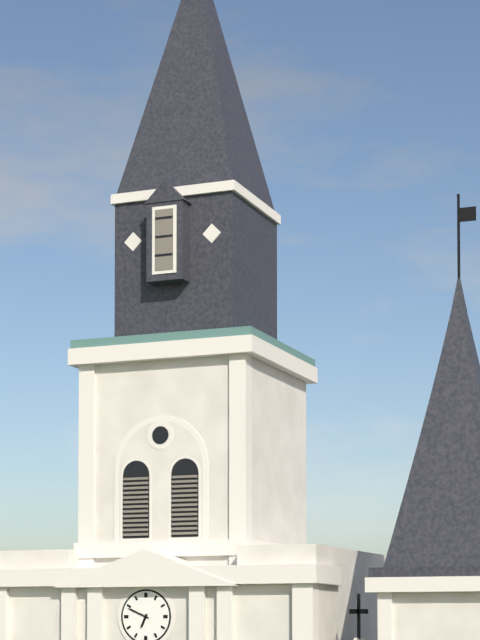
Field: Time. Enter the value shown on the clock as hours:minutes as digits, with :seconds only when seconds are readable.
6:49
